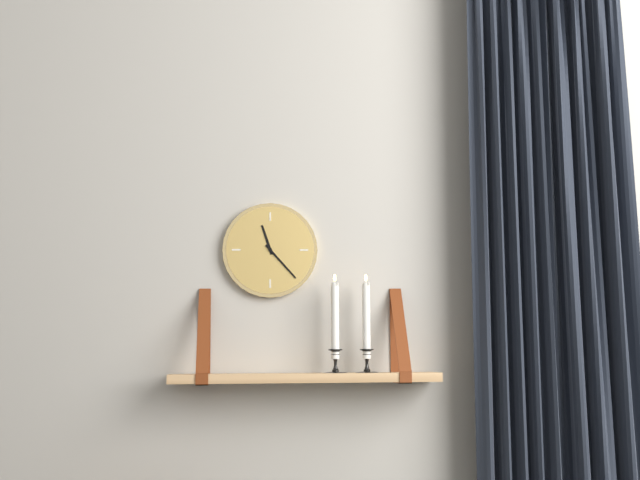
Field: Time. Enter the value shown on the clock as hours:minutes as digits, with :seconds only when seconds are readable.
11:23
